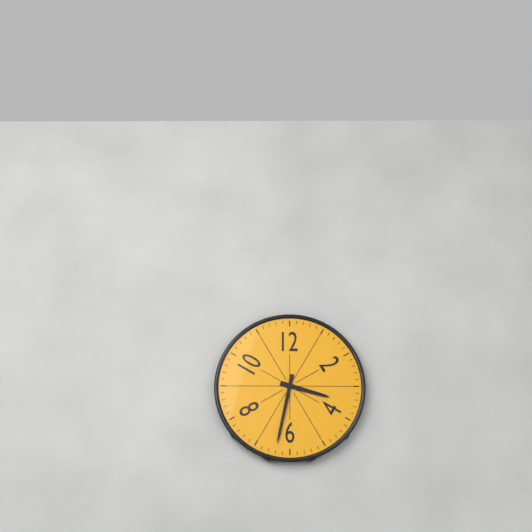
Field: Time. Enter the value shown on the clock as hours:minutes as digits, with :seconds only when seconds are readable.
3:32
